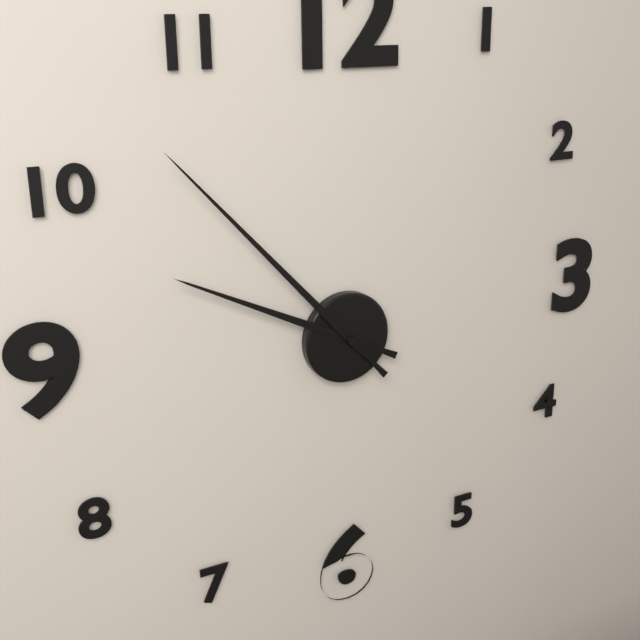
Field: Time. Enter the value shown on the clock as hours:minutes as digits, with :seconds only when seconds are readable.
9:53
